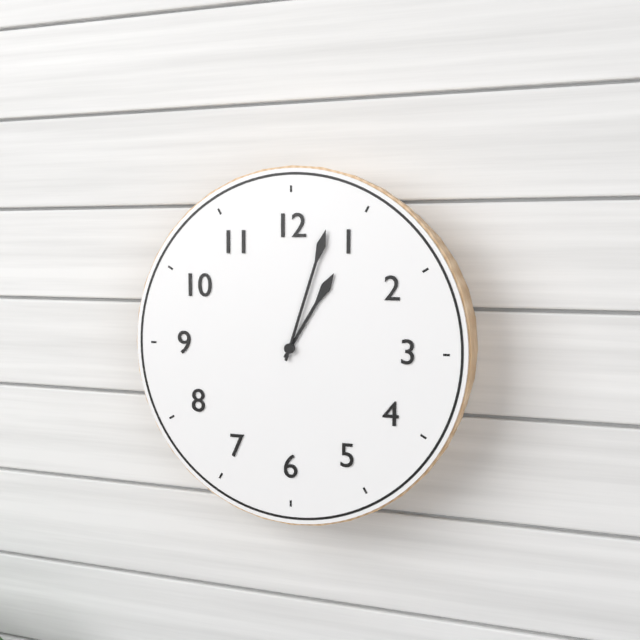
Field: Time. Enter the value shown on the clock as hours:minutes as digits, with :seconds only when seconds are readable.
1:03
